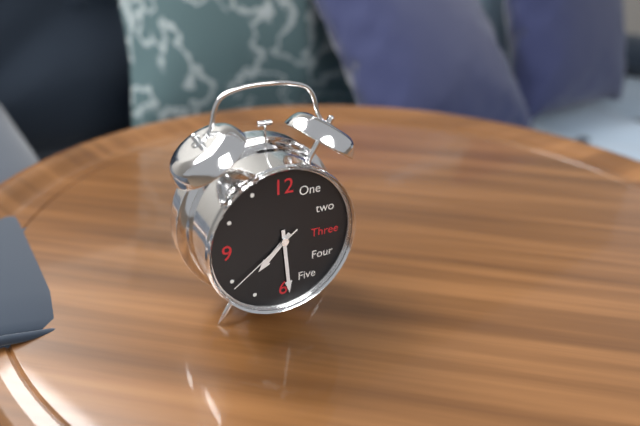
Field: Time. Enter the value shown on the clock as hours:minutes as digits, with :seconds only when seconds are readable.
7:29:39
